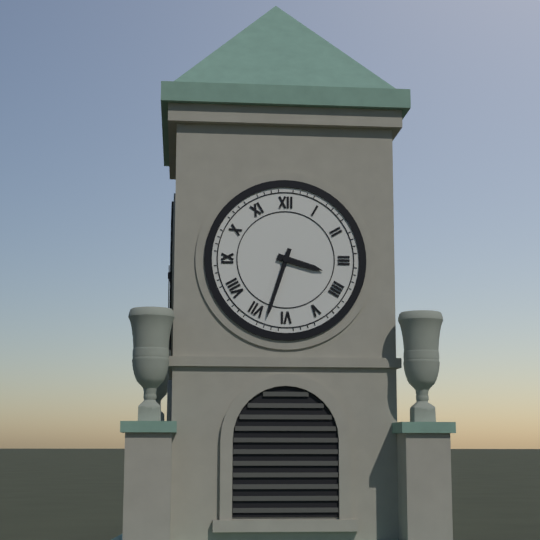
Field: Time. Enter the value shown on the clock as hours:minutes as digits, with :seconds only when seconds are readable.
3:33
